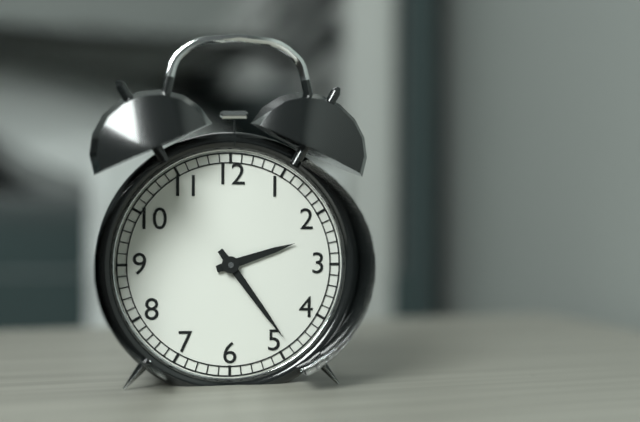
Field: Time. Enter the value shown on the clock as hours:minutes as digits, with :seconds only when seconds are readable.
2:24
